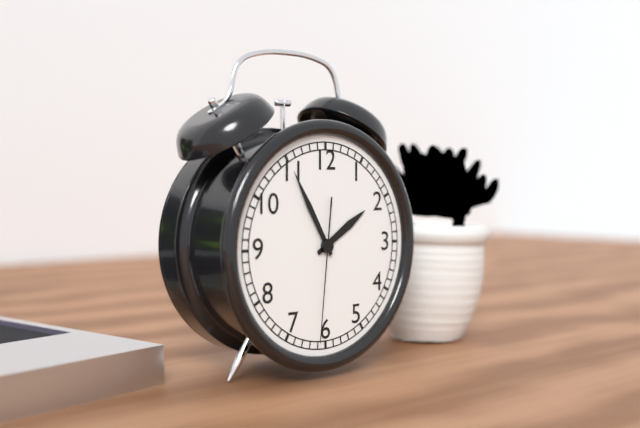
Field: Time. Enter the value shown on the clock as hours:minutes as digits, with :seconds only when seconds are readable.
1:55:31
